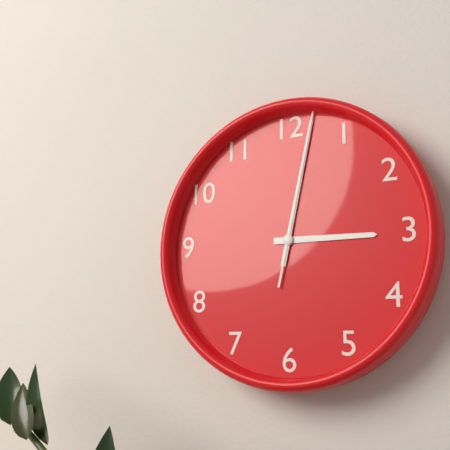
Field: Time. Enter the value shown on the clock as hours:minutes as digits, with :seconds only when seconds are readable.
3:02:02
